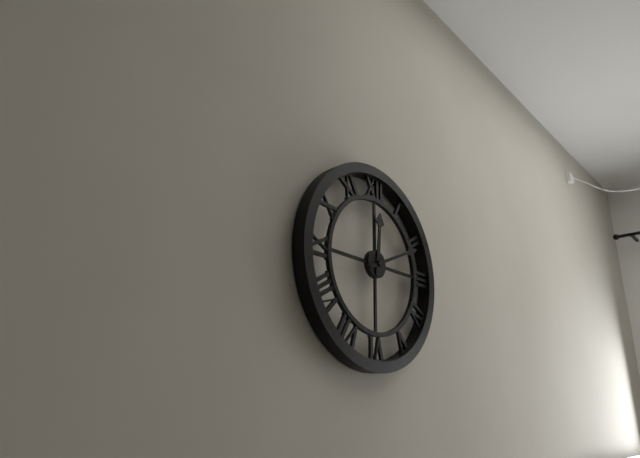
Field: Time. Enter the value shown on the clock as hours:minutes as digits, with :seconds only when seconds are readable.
12:11
